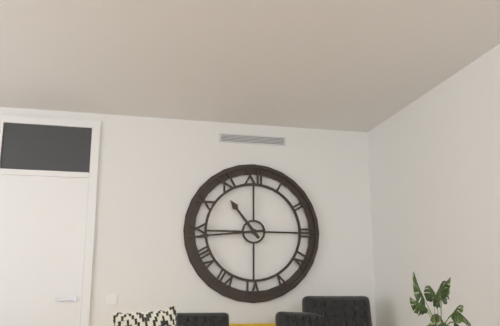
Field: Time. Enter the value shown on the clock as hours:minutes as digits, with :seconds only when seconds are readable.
10:44
